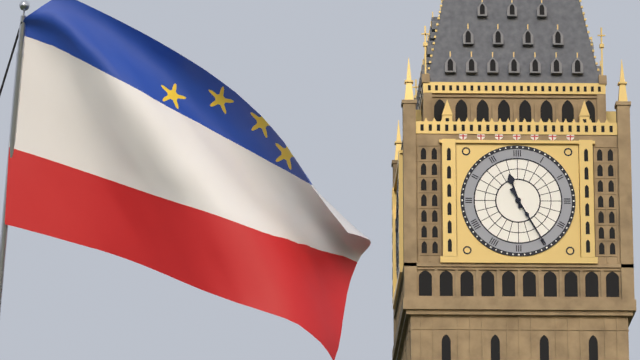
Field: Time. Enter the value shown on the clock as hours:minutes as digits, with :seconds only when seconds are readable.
11:25
